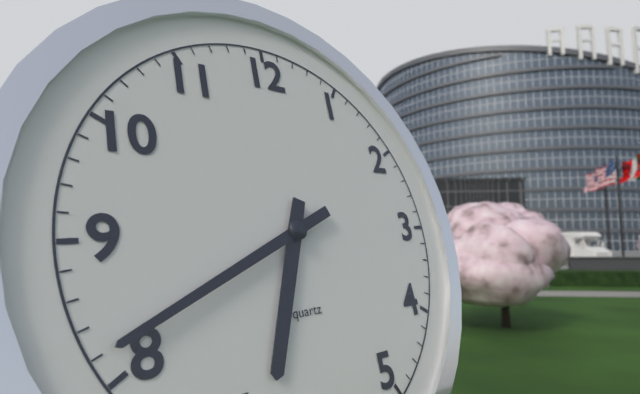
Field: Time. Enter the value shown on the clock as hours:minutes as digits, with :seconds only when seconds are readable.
6:41
